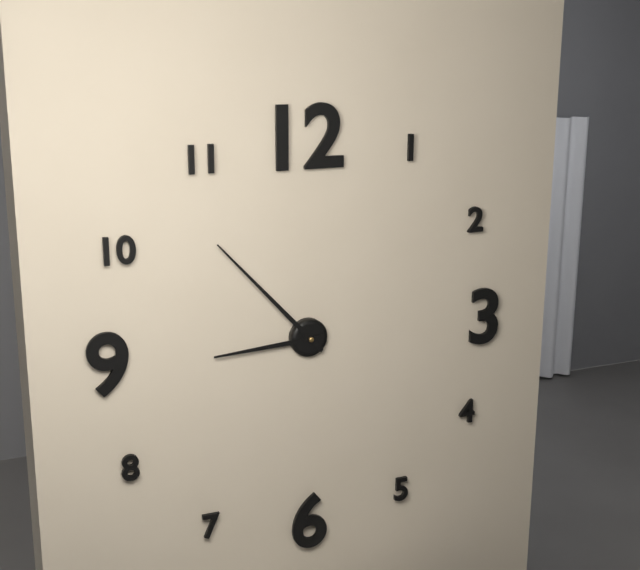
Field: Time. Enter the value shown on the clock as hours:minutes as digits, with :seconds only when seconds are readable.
8:53
